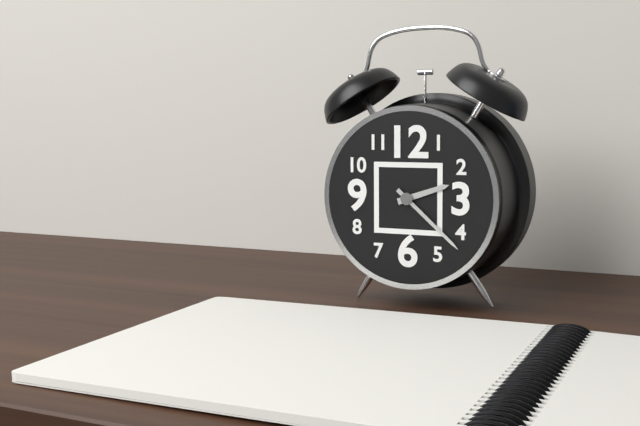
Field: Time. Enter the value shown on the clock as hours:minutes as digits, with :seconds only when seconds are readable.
2:22
